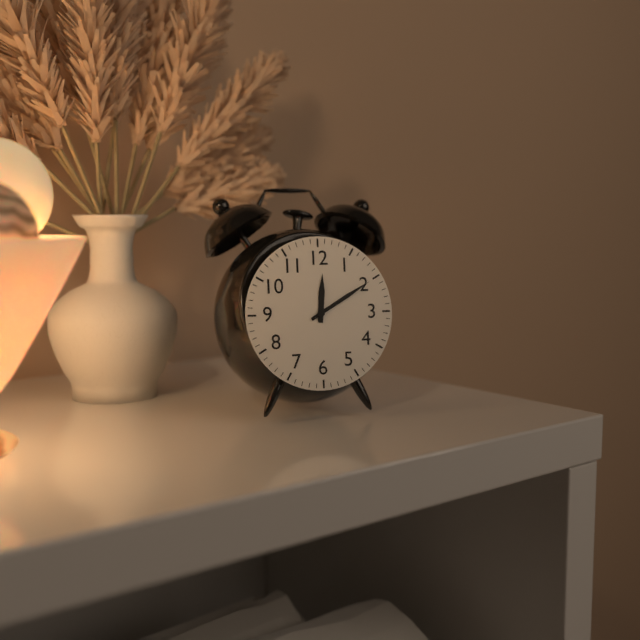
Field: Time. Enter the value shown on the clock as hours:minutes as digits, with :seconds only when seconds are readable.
12:10
